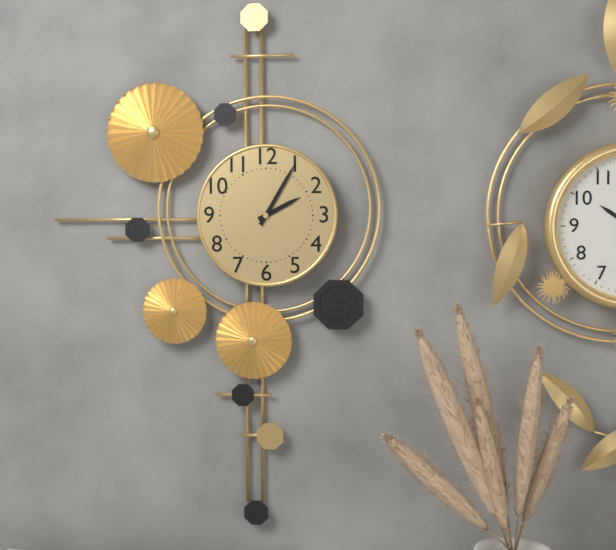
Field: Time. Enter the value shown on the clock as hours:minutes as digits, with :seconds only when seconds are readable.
2:05
